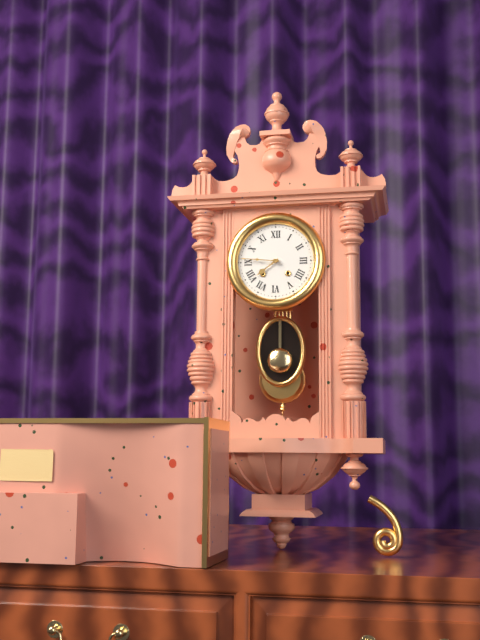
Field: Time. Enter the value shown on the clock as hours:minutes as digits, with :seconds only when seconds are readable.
7:46
